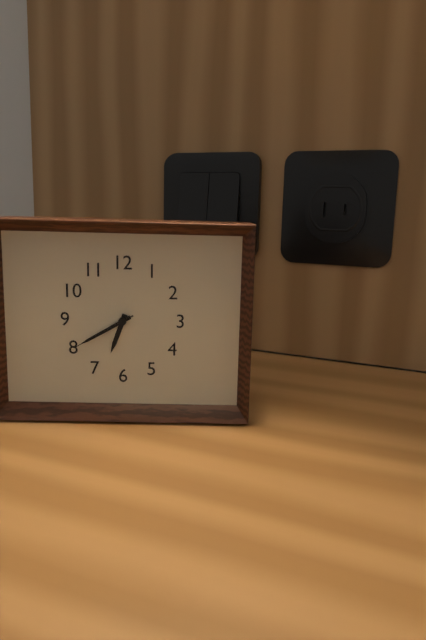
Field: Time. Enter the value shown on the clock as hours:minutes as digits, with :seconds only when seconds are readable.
6:40:40
